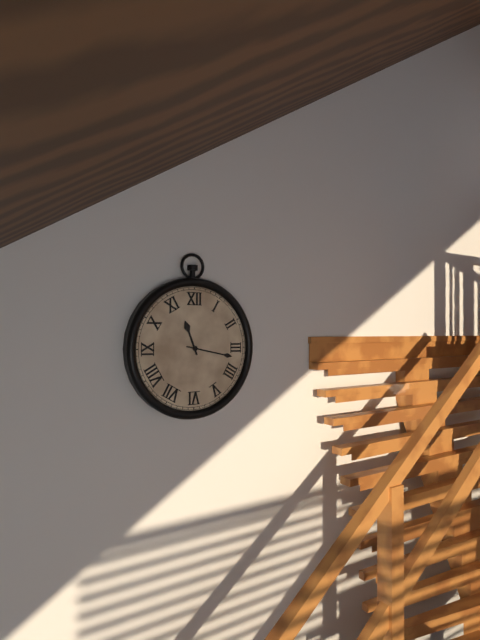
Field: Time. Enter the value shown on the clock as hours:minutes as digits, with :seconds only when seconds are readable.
11:17
